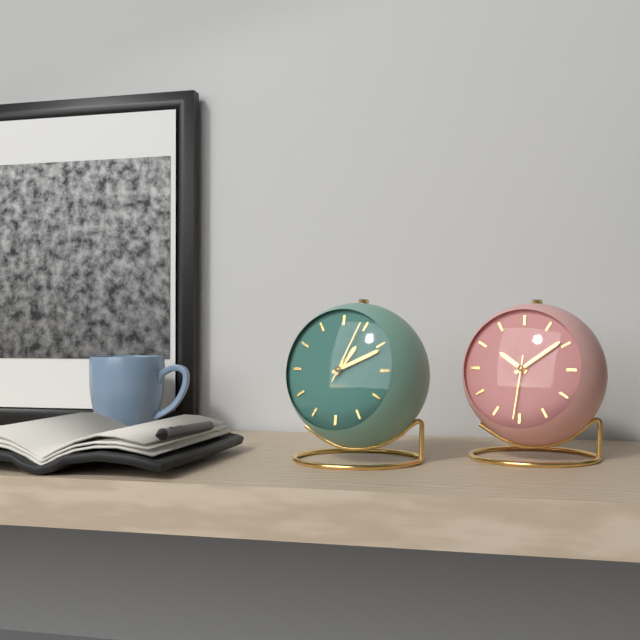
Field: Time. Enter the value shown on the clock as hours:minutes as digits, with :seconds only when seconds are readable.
1:11:04
